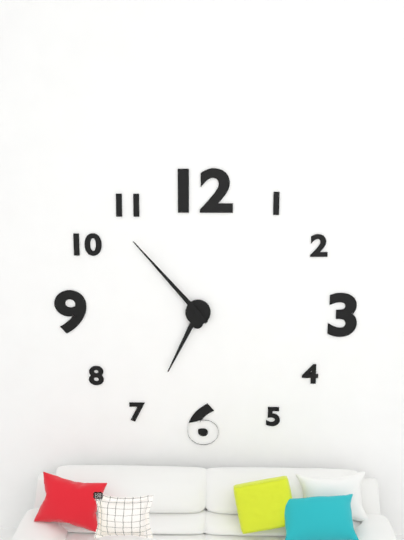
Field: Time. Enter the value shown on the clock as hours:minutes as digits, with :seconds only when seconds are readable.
6:53
